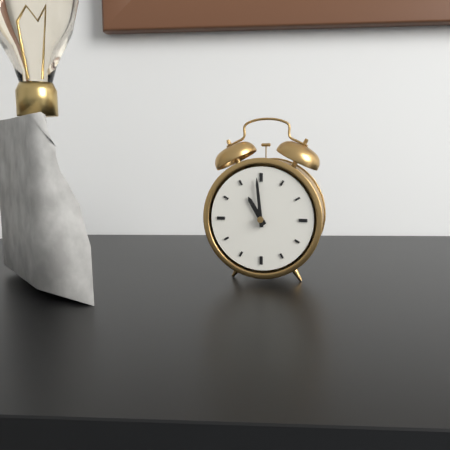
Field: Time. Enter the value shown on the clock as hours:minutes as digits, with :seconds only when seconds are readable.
10:59
